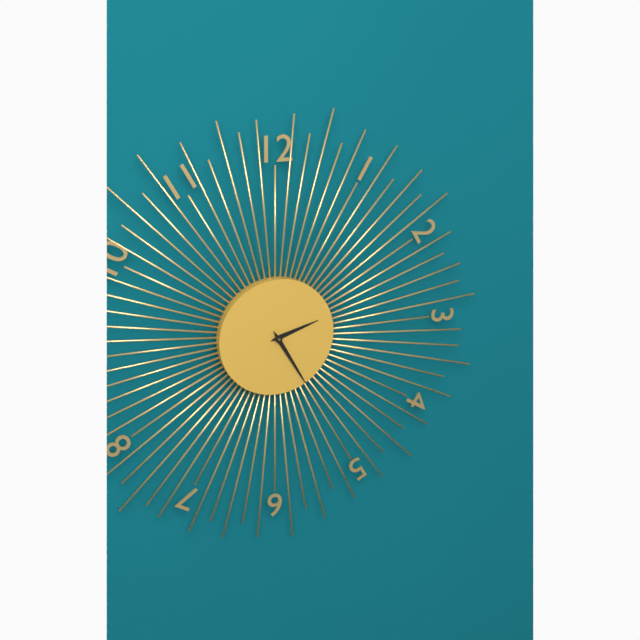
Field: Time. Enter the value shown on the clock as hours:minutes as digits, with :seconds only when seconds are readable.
2:25
